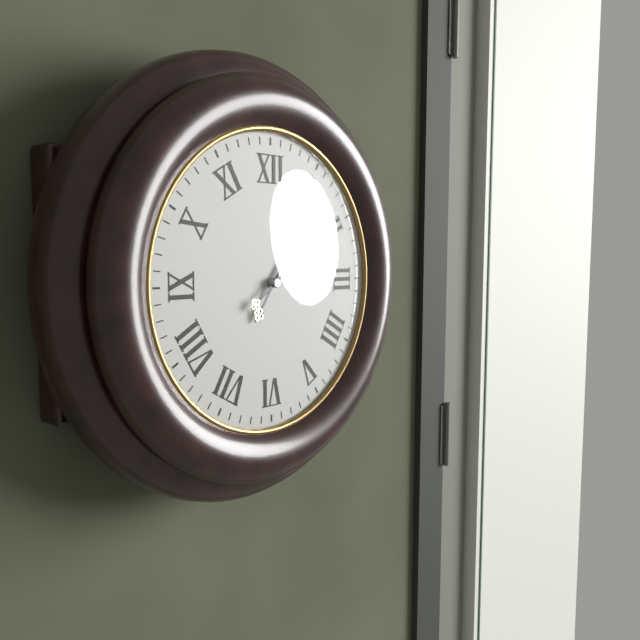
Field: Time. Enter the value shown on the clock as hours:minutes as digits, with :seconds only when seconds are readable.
1:09
